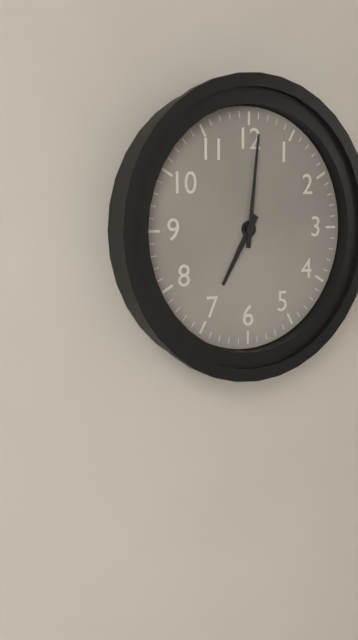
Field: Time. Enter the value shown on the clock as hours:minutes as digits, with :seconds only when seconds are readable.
7:01
